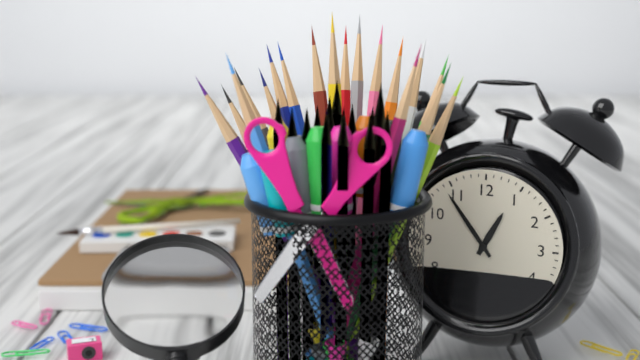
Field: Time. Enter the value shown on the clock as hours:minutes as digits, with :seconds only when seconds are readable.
12:54
